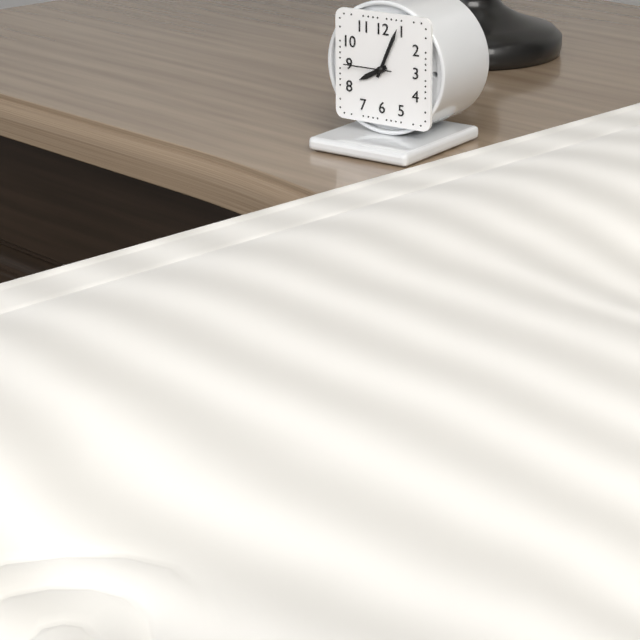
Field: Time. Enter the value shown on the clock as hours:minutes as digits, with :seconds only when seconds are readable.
8:04
